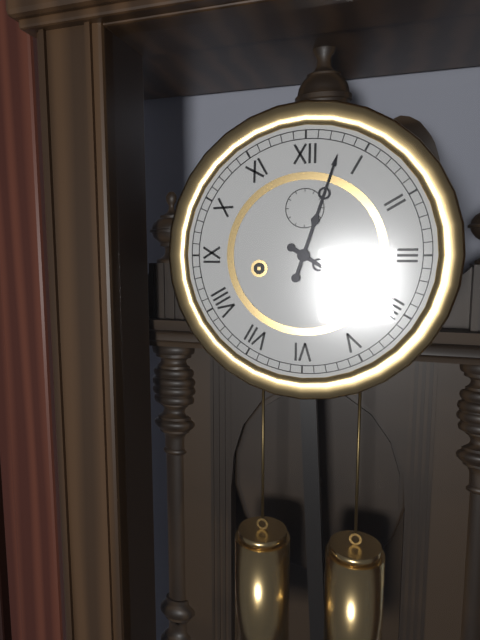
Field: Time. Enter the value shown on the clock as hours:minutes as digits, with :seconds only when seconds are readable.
4:03
